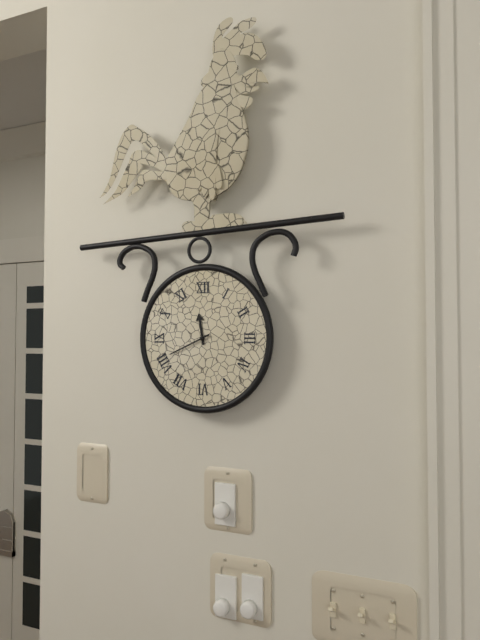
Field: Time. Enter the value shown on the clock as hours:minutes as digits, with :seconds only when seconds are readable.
11:41
